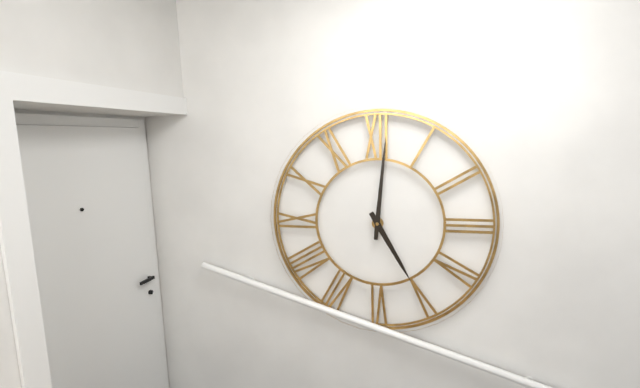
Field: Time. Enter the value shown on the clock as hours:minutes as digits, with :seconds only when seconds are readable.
5:01
